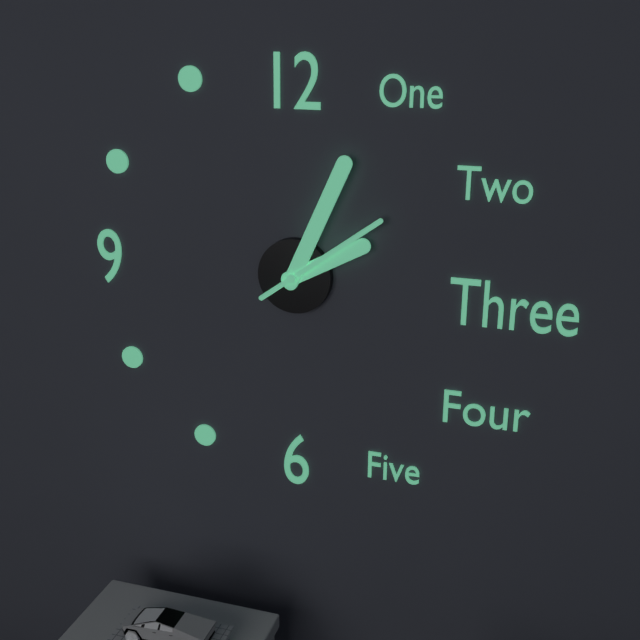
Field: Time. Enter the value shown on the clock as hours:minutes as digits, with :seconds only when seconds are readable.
2:04:09
